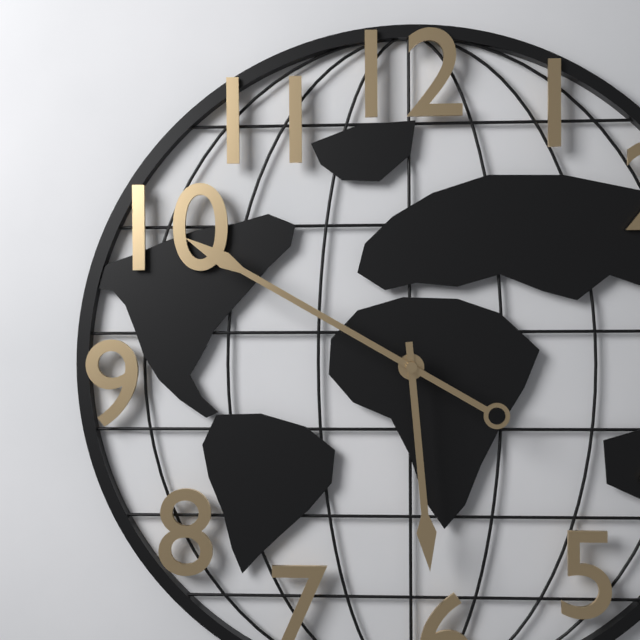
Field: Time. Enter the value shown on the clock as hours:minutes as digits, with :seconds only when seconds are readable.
5:50
